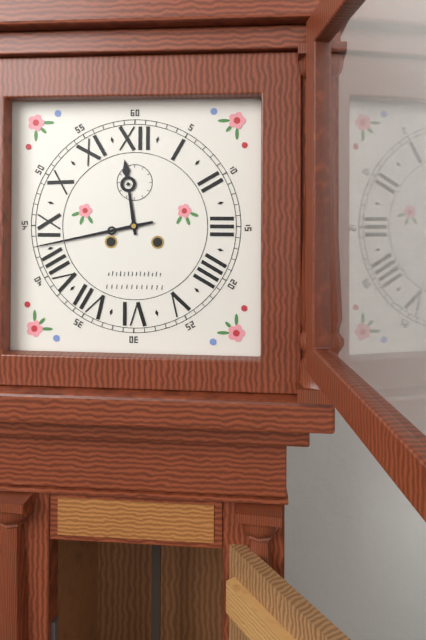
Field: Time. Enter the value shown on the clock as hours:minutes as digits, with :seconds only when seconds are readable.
11:43
